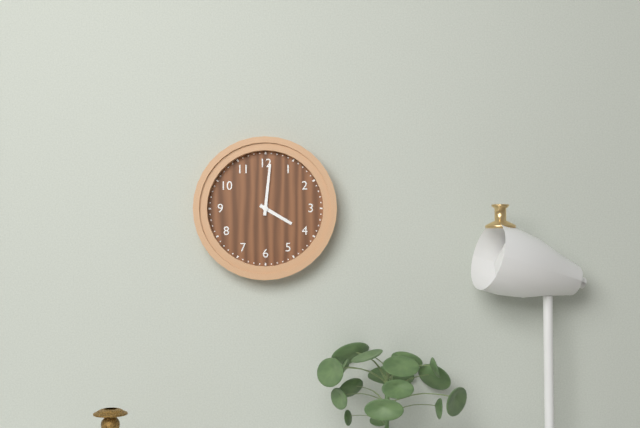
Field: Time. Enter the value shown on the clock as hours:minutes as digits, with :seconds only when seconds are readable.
4:01
